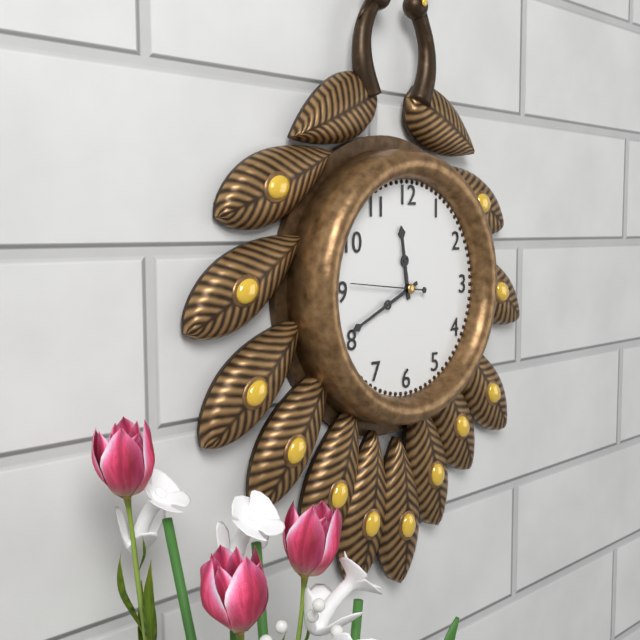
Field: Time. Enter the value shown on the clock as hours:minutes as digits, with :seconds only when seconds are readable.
11:41
